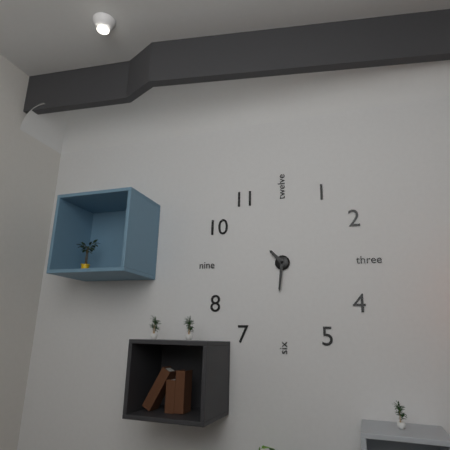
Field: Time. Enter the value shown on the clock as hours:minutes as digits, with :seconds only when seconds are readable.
10:31
